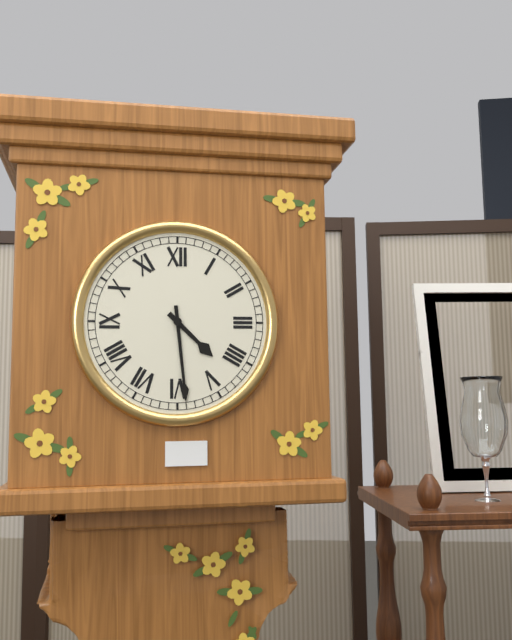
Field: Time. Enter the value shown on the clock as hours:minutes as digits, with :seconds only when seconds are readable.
4:29
